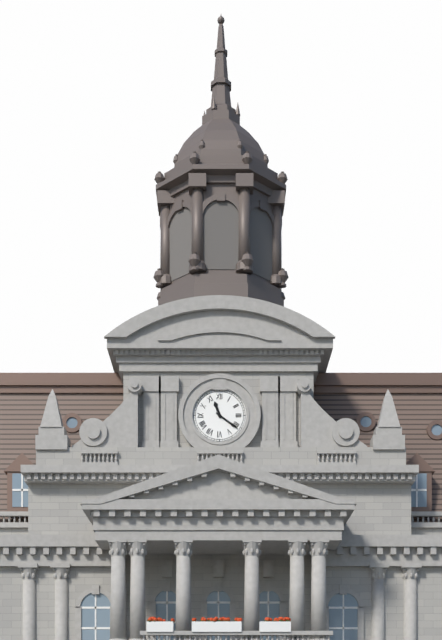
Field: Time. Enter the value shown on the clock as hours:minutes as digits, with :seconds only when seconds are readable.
11:21
